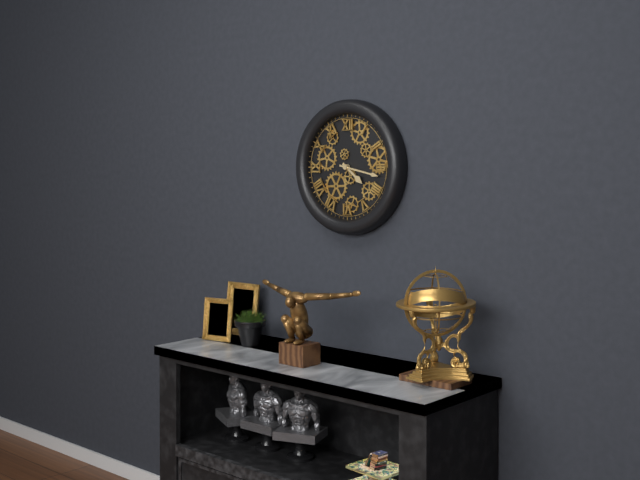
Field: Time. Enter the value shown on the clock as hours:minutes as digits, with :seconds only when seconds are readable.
4:17
